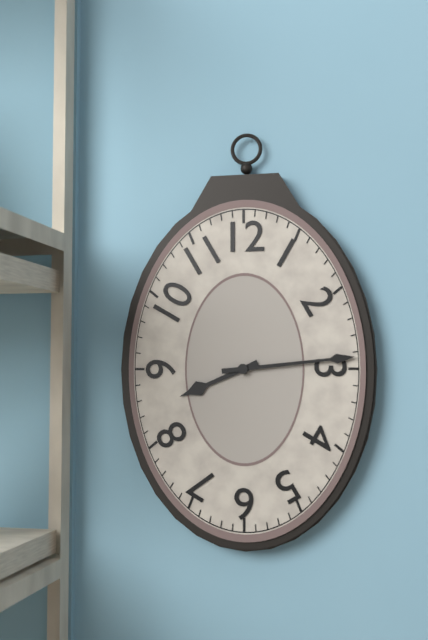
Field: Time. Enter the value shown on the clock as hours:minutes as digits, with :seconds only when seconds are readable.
8:14
